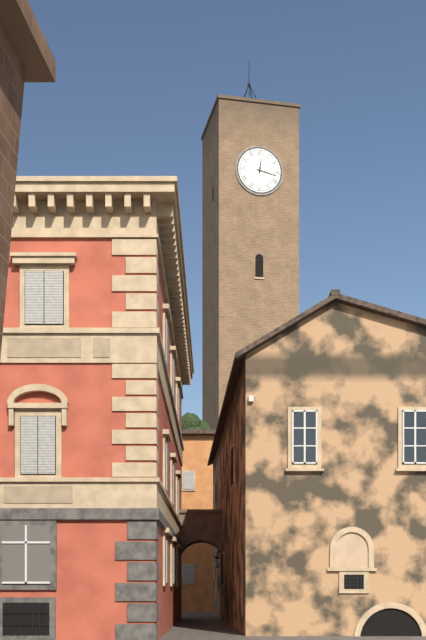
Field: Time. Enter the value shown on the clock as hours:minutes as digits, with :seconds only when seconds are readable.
12:17
